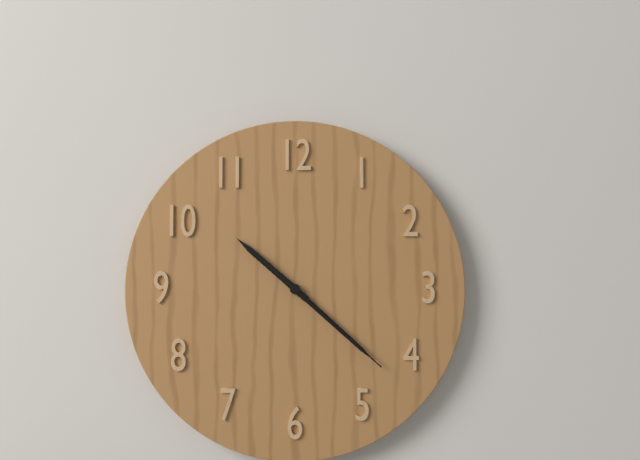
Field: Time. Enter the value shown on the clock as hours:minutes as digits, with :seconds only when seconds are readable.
10:22:22
